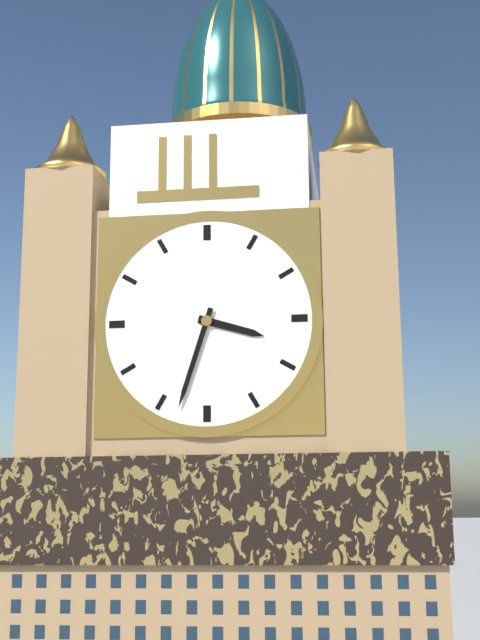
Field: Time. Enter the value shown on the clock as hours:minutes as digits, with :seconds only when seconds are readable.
3:33
